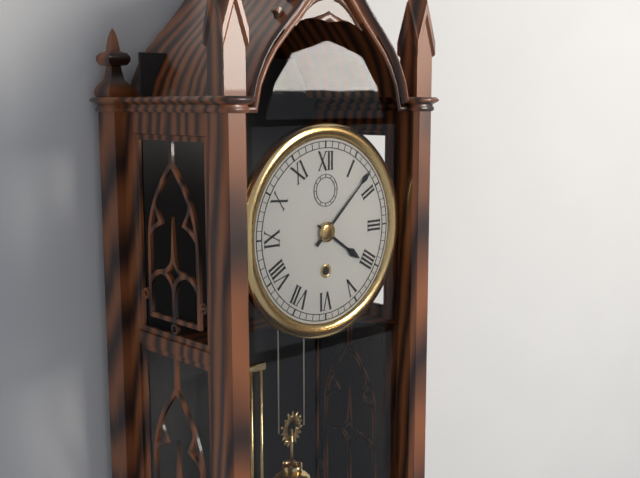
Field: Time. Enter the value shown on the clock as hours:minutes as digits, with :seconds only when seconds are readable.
4:08
